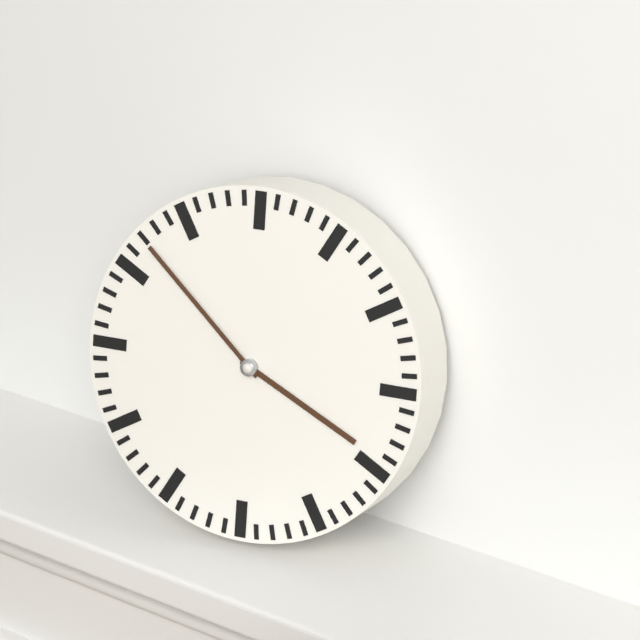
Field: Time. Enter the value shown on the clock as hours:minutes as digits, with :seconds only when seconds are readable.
3:52
